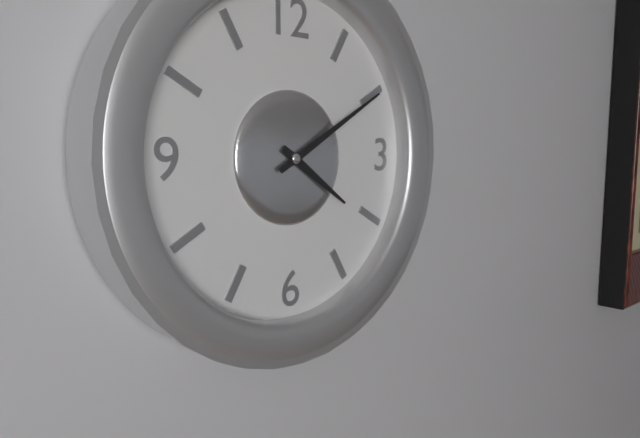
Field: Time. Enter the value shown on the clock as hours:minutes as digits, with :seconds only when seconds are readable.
4:10
